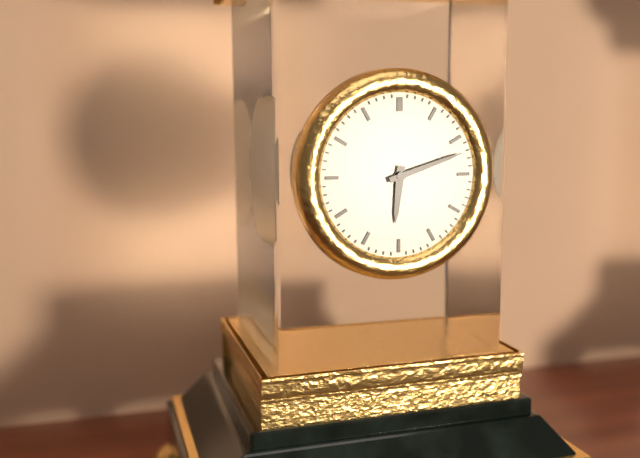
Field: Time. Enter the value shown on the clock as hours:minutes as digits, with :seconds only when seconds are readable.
6:12
